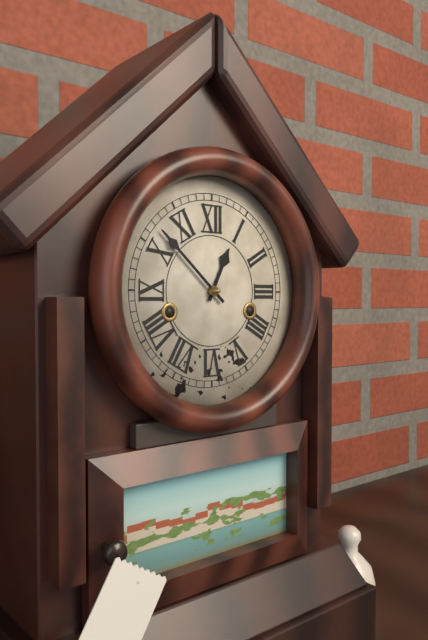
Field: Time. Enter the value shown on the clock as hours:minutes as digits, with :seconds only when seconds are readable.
12:52
